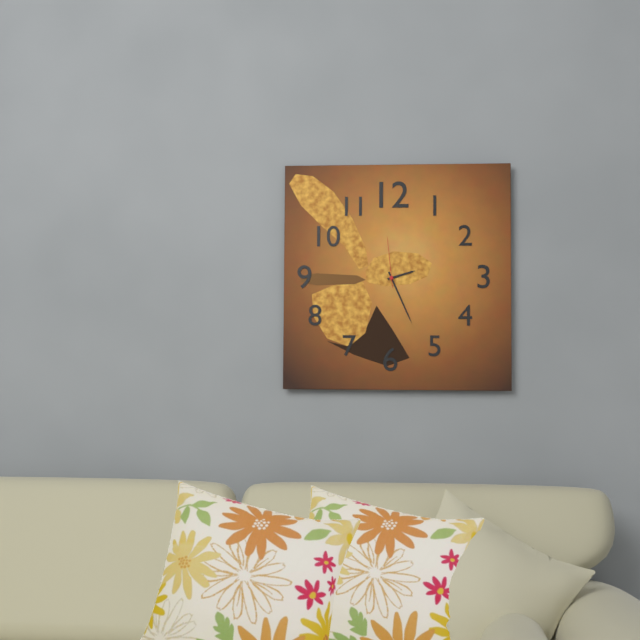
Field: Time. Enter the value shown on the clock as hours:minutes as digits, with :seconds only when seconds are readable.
2:26:59
